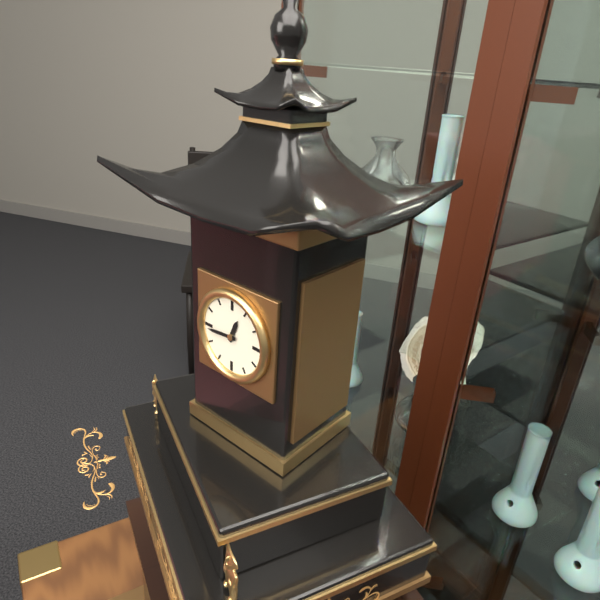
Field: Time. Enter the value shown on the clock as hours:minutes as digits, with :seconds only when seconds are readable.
12:44
